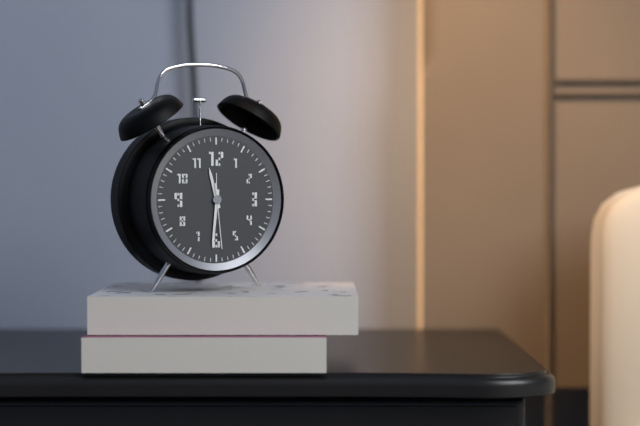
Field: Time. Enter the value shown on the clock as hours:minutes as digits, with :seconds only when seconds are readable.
11:31:29
